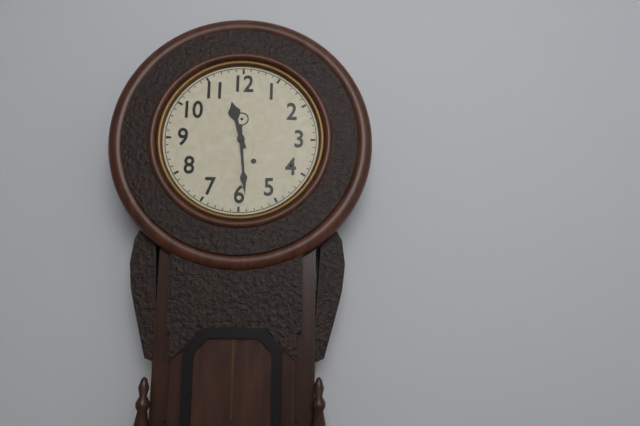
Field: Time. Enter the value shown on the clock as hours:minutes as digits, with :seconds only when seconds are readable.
11:29
